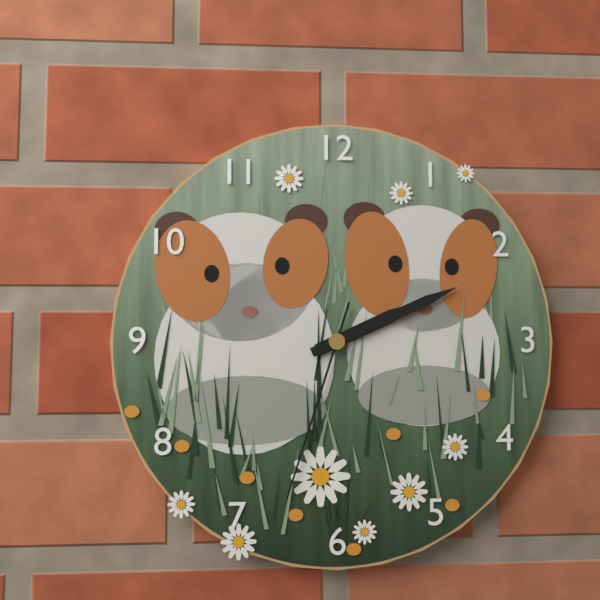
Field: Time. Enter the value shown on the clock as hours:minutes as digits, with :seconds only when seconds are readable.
2:11:33
